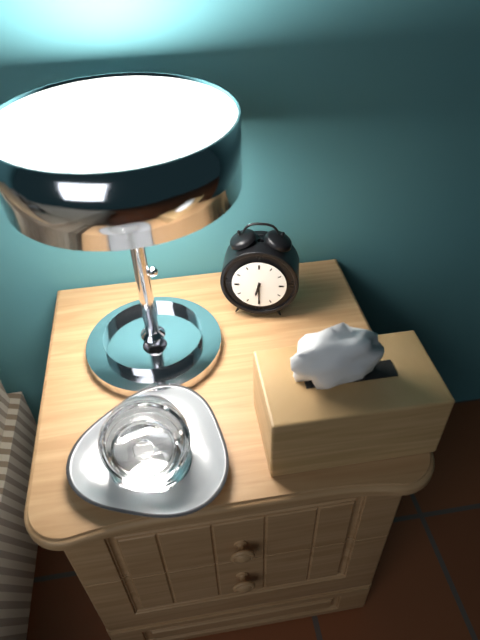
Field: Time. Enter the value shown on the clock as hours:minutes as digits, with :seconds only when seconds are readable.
6:30
